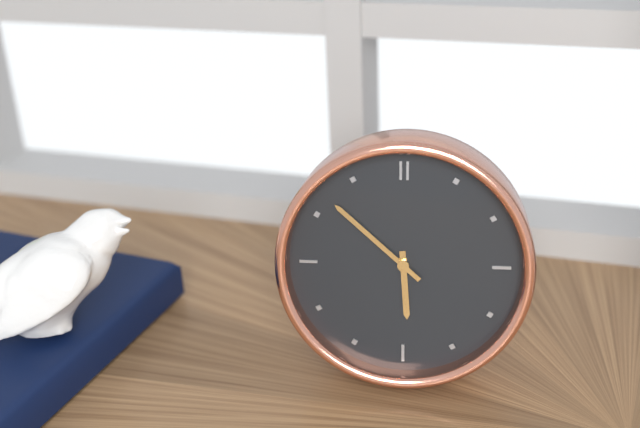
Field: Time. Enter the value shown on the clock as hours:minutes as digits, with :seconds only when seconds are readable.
5:52
